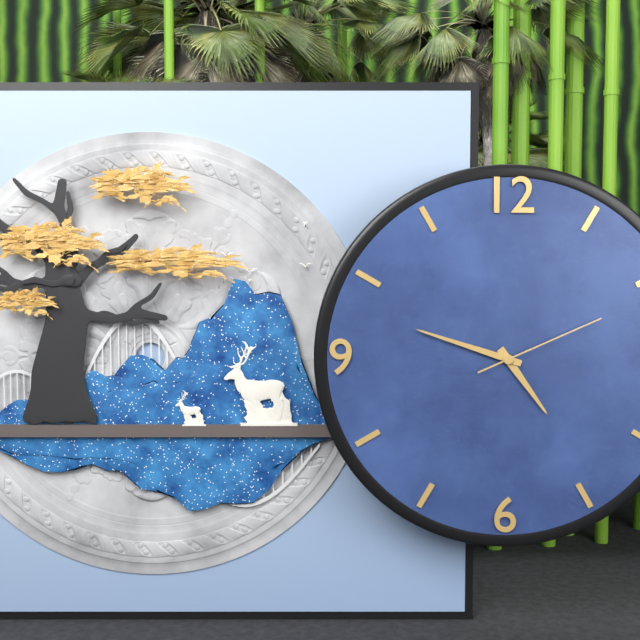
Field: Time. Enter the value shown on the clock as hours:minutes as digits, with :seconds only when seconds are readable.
4:48:11
